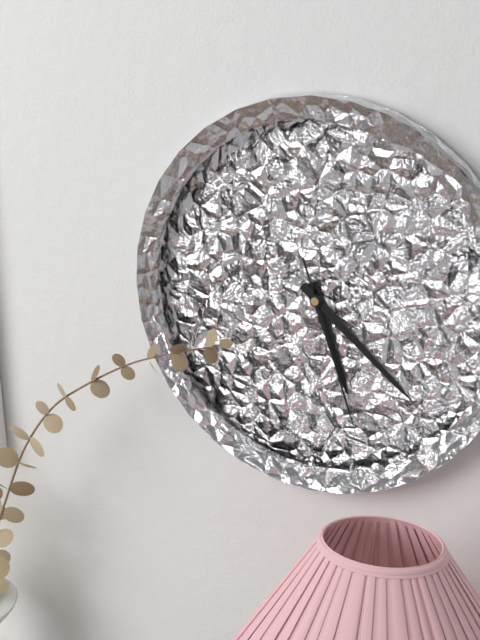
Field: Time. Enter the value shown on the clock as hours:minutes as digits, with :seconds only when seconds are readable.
5:22:27
